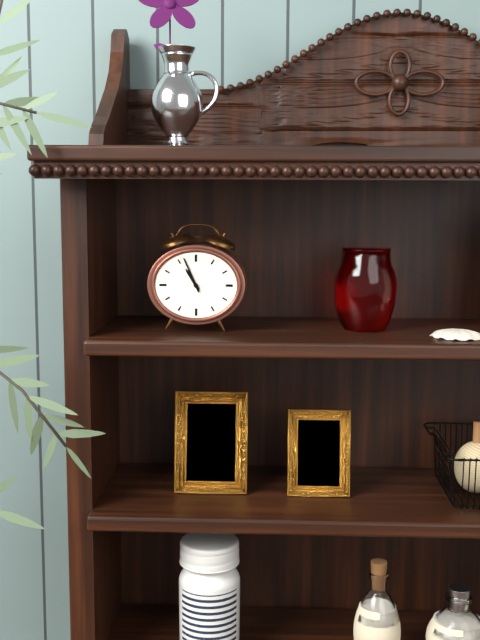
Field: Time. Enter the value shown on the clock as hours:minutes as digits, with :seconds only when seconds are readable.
10:56
